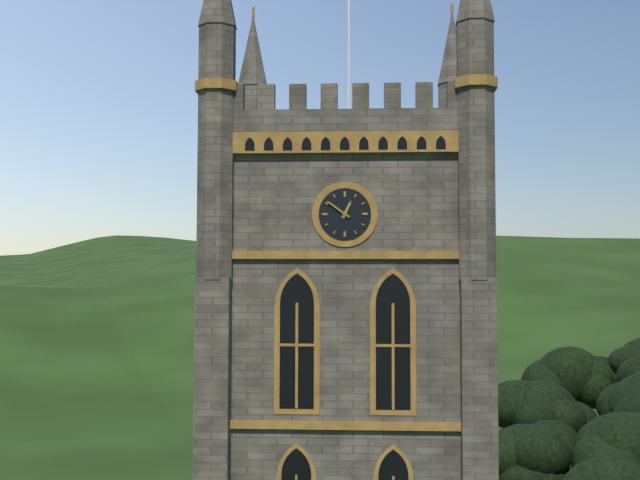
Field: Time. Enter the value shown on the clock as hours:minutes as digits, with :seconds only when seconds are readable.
12:51
